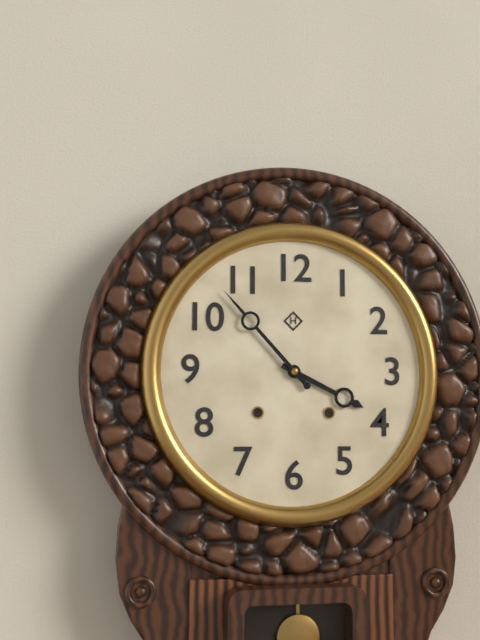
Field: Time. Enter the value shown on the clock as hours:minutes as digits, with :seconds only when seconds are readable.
3:53
